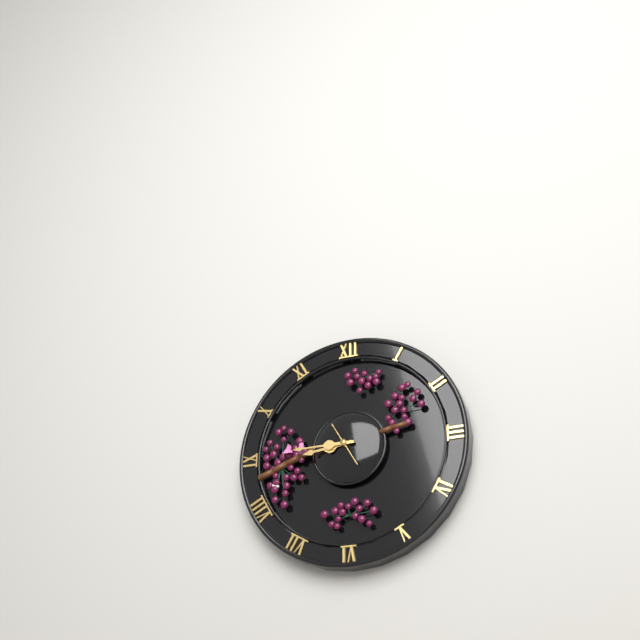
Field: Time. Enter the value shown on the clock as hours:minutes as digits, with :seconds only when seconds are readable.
8:45
